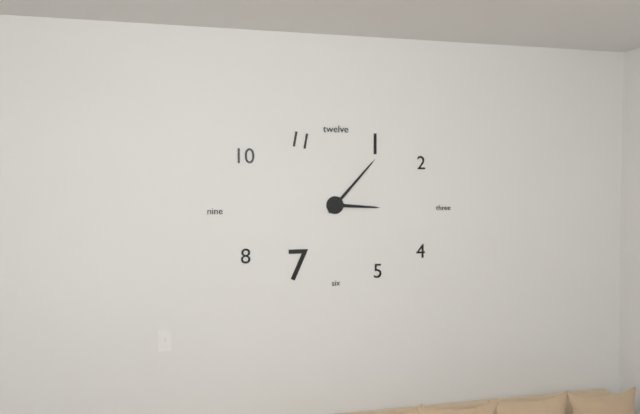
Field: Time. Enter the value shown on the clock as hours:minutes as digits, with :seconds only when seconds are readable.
3:07
